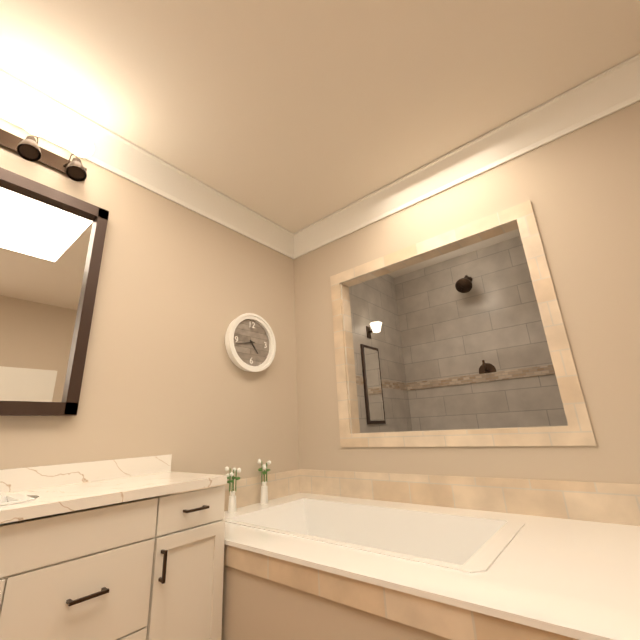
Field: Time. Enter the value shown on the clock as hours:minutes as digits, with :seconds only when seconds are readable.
4:43
